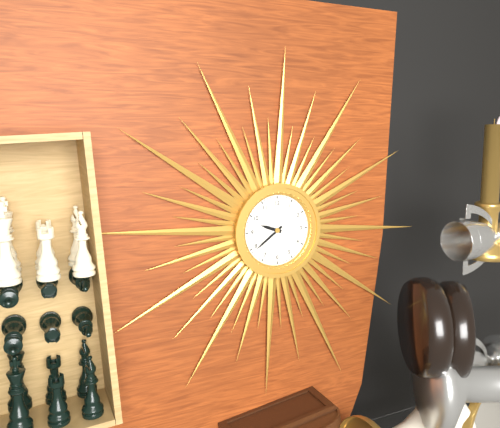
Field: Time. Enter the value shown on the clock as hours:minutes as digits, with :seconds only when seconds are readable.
9:39
